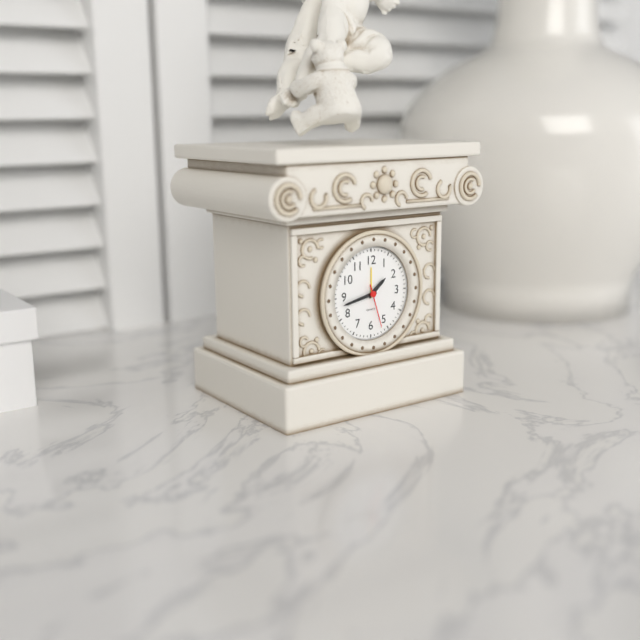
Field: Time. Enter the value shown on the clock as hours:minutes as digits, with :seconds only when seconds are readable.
1:43
